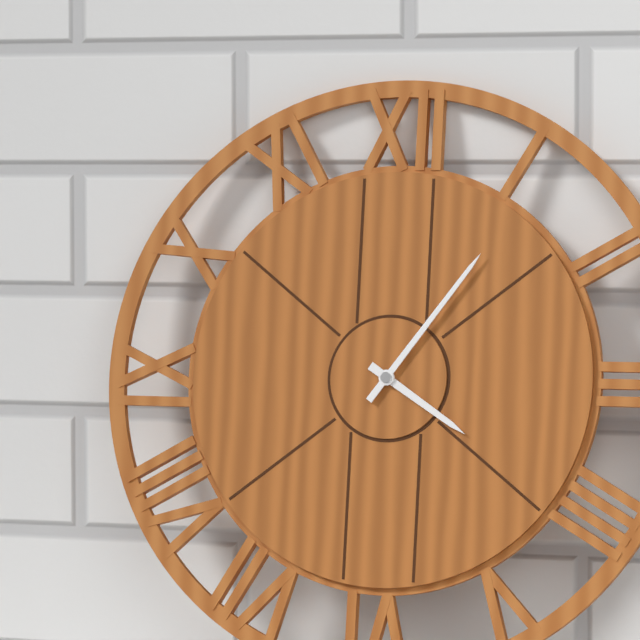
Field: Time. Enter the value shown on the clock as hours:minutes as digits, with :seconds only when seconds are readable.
4:06
